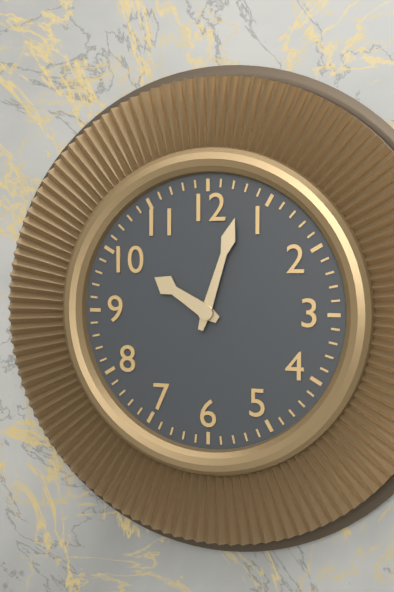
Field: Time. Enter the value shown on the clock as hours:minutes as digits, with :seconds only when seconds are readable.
10:03
